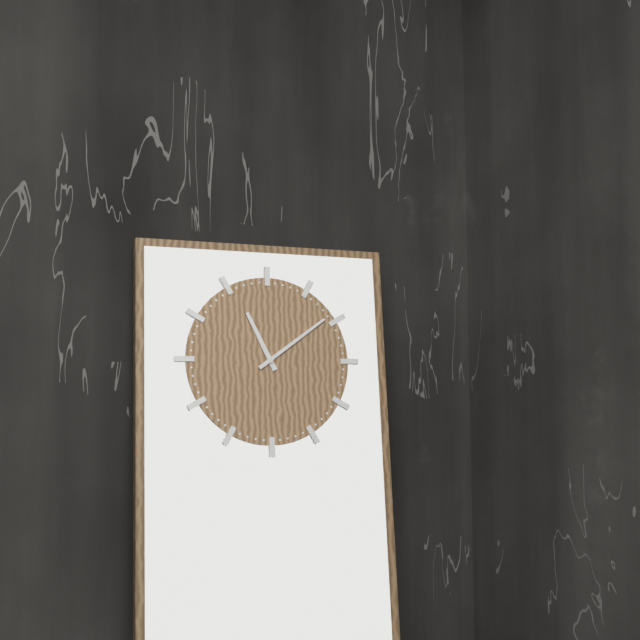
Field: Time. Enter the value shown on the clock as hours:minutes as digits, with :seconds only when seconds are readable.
11:09
